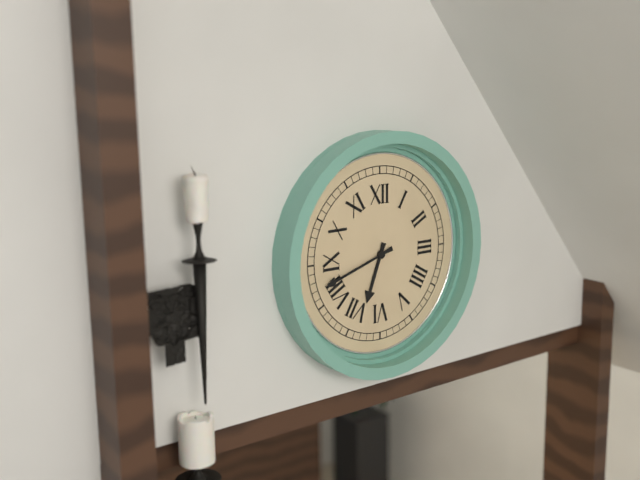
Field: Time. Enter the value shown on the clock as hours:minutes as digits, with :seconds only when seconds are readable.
6:42
